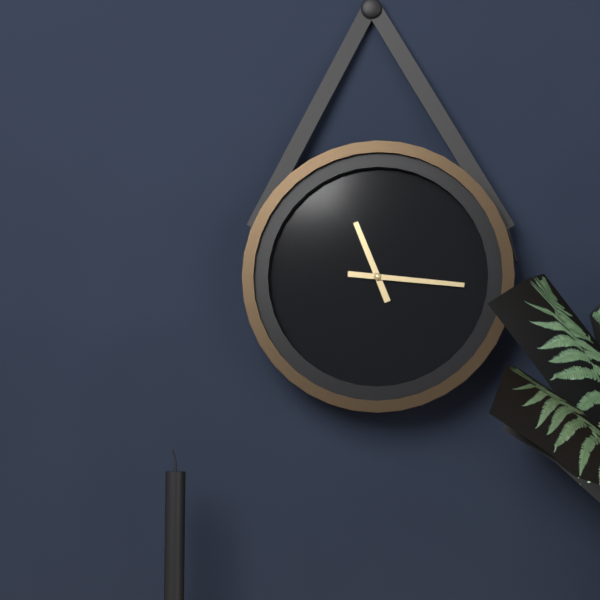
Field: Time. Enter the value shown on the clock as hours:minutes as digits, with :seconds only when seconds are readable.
11:16
